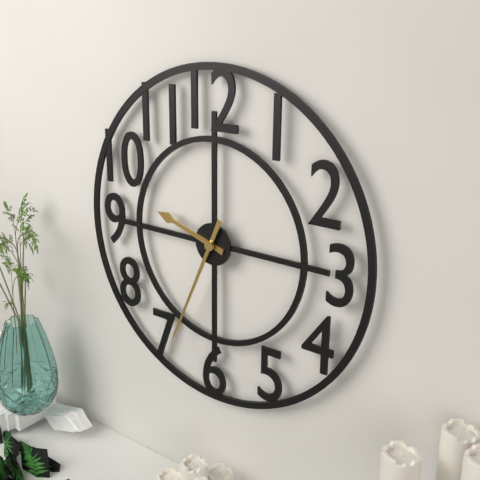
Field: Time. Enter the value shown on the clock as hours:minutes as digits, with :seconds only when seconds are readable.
9:34
